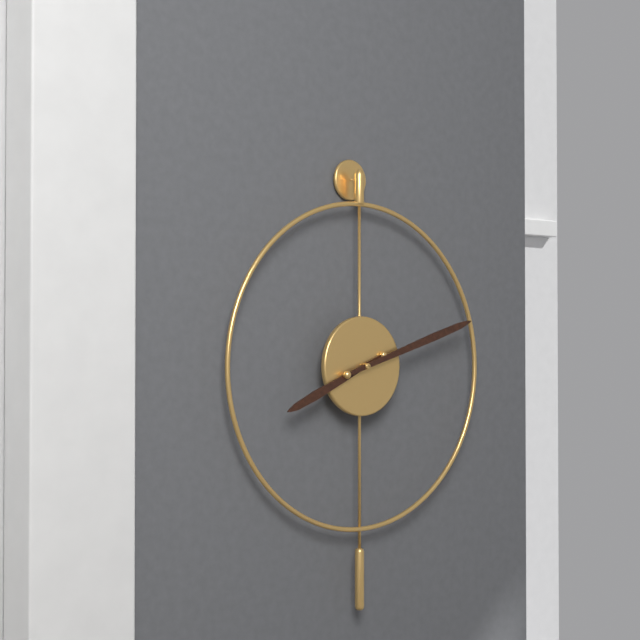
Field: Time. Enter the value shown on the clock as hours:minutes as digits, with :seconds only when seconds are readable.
8:12
